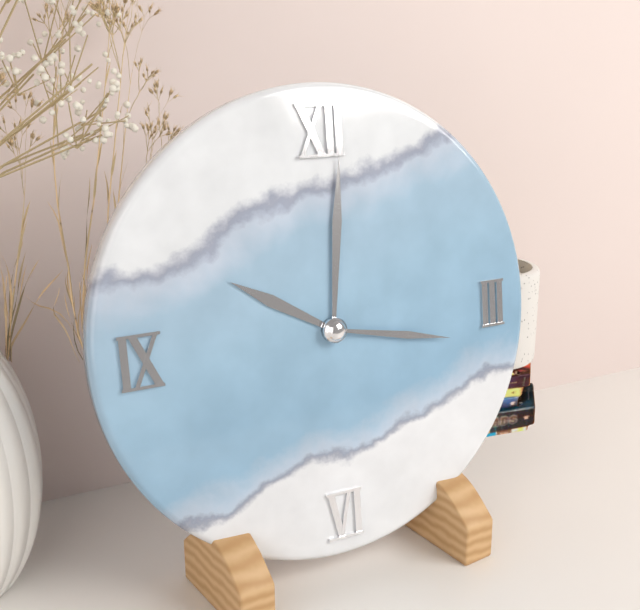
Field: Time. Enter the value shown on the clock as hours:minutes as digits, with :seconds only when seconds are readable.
10:01:17
